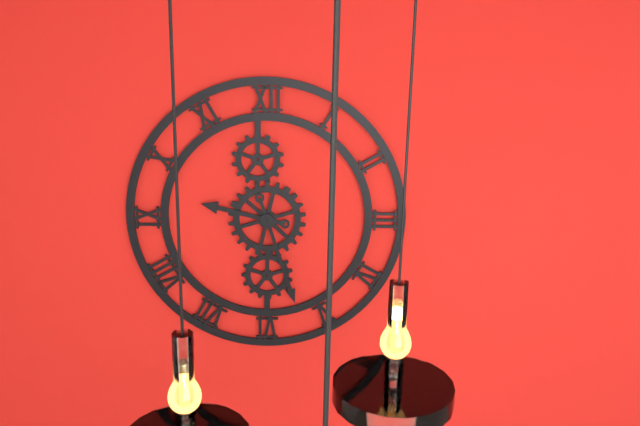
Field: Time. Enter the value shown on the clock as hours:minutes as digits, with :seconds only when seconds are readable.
9:27
